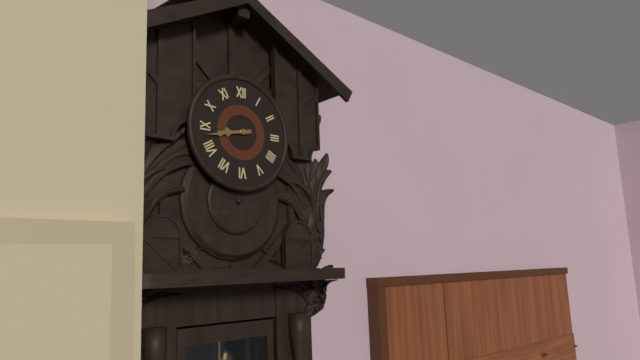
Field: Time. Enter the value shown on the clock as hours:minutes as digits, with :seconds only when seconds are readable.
8:43
